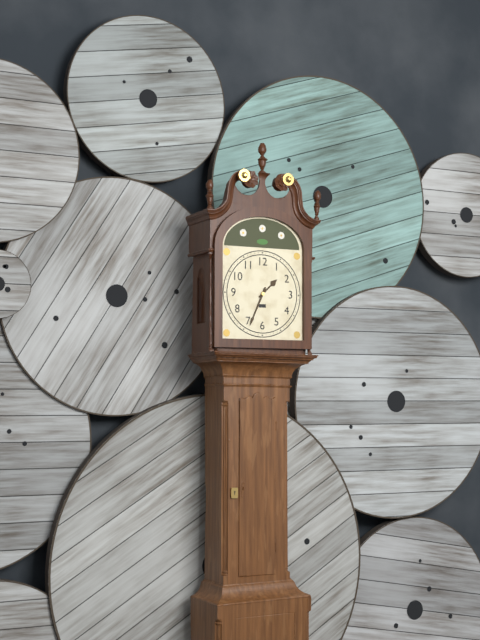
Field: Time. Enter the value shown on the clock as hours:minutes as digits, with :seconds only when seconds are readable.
1:34
